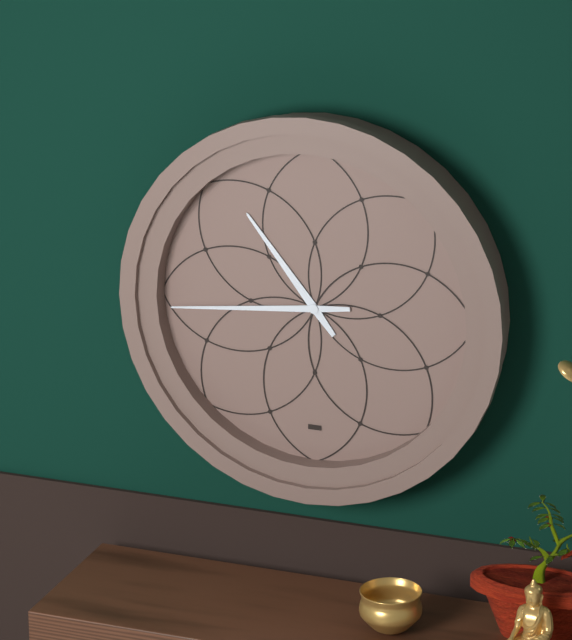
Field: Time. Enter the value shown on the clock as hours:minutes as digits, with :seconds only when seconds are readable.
10:44
